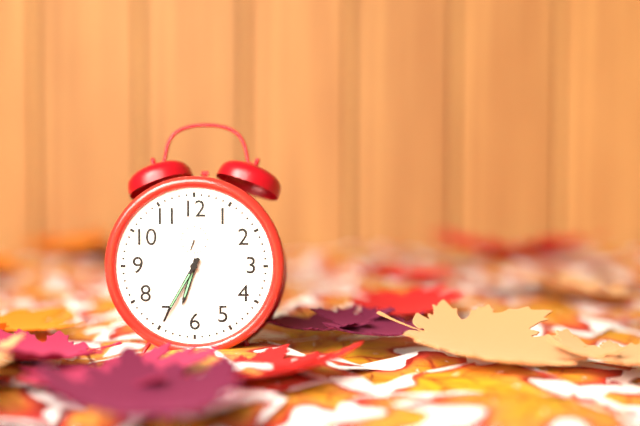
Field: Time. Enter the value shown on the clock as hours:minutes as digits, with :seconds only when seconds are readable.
6:35
